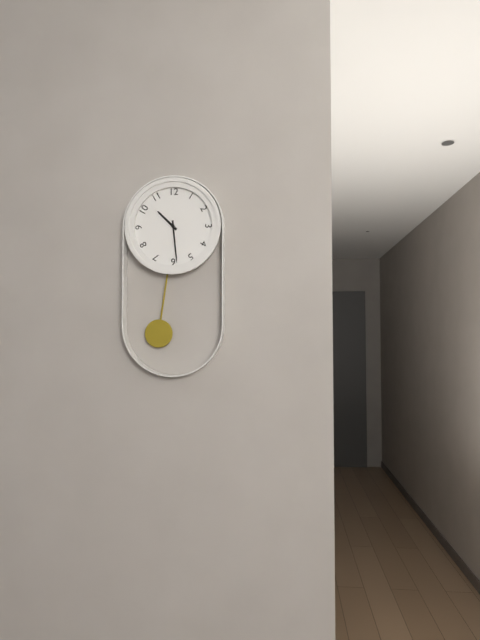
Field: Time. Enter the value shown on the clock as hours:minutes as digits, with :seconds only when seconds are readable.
10:29
